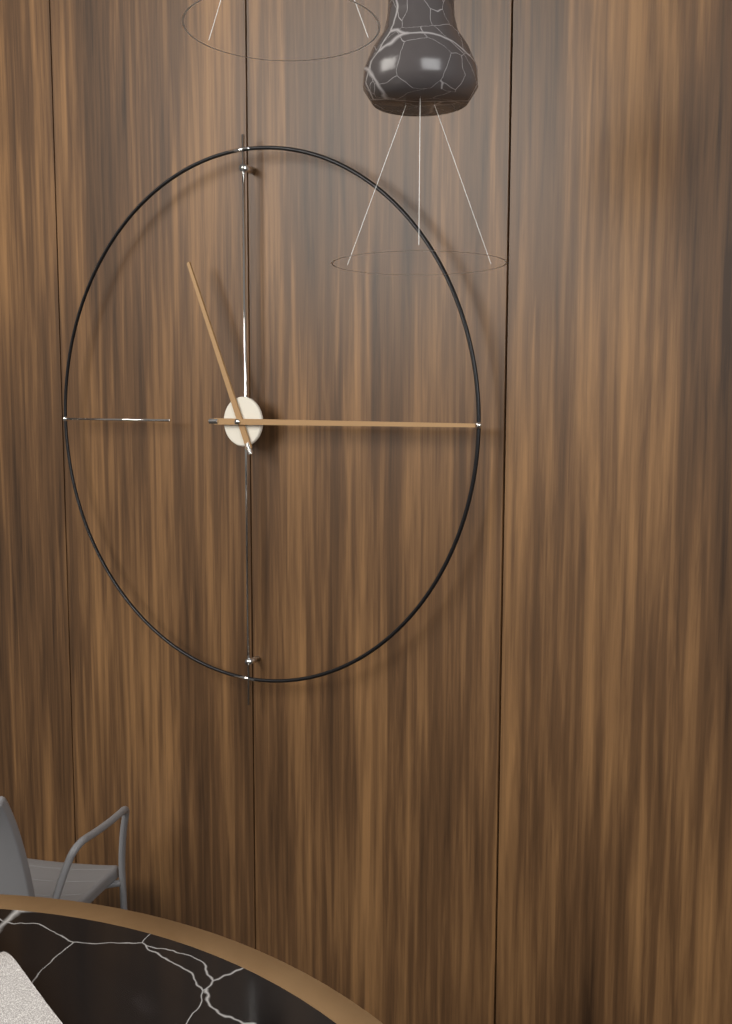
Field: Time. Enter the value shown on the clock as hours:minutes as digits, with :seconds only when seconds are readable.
11:15
